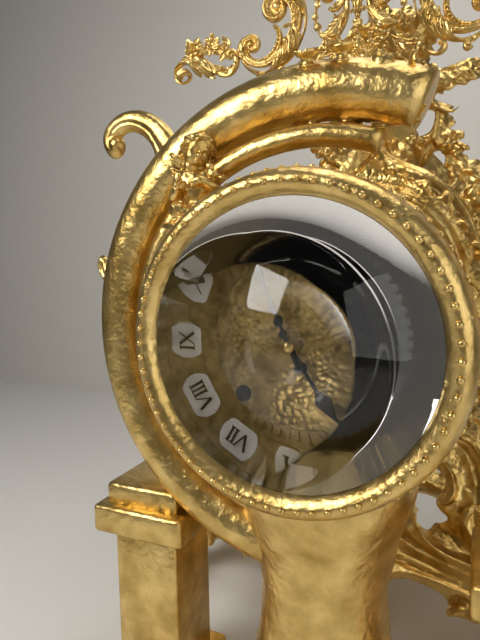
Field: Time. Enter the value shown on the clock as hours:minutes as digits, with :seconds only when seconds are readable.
4:56
